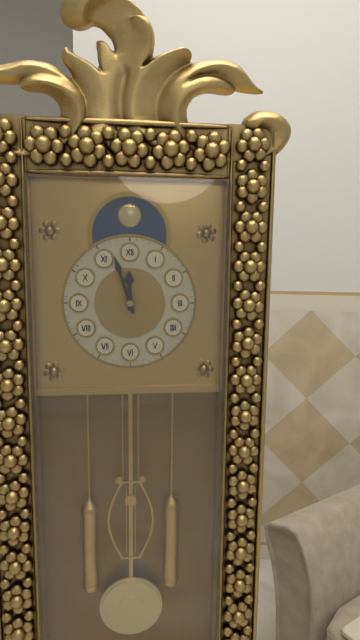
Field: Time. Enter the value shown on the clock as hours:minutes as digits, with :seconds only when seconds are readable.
11:57
